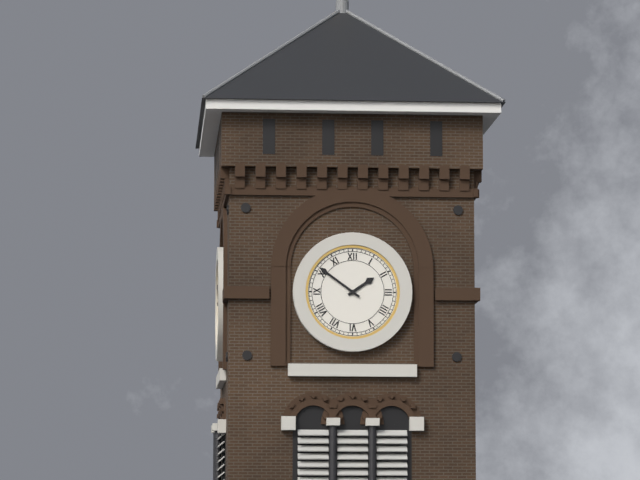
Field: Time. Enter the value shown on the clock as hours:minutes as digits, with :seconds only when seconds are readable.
1:51
